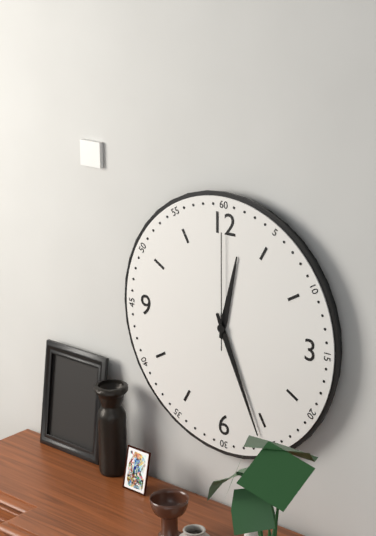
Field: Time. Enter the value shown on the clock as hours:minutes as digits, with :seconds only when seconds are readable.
12:26:00
